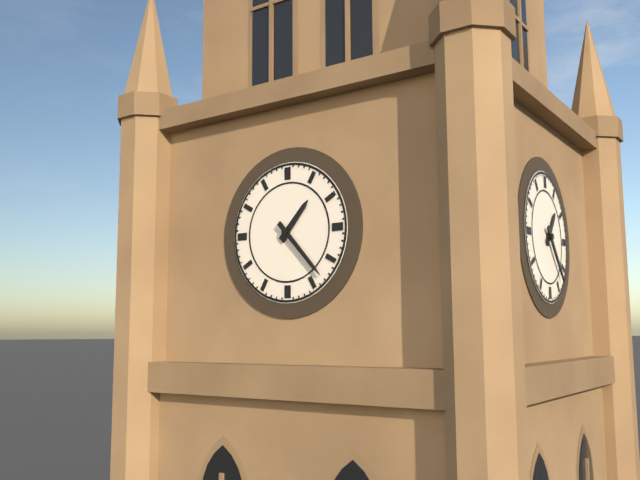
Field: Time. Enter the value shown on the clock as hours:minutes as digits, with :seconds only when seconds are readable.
1:23
